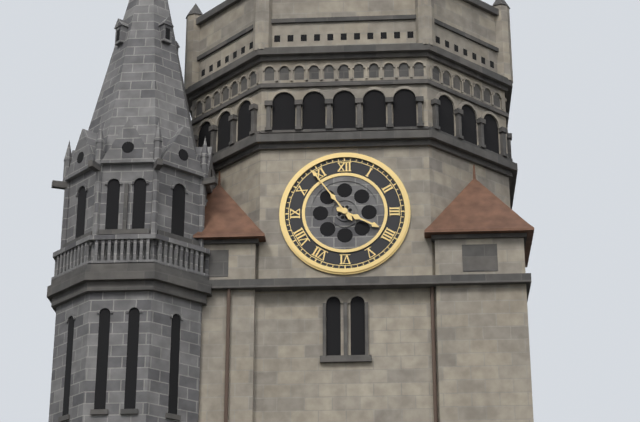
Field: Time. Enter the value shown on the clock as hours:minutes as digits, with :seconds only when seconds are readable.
3:54
